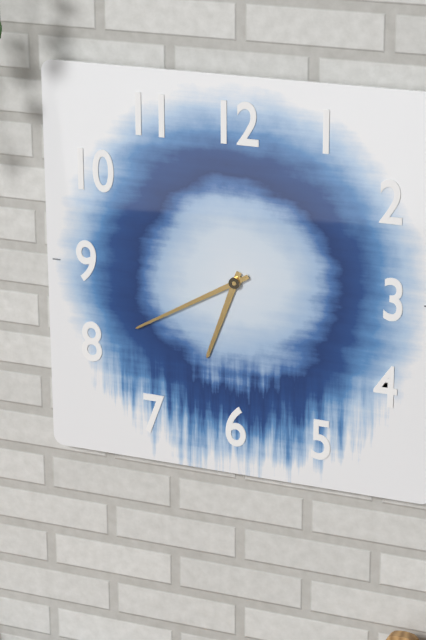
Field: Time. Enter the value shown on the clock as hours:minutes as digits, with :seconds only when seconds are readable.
6:40
